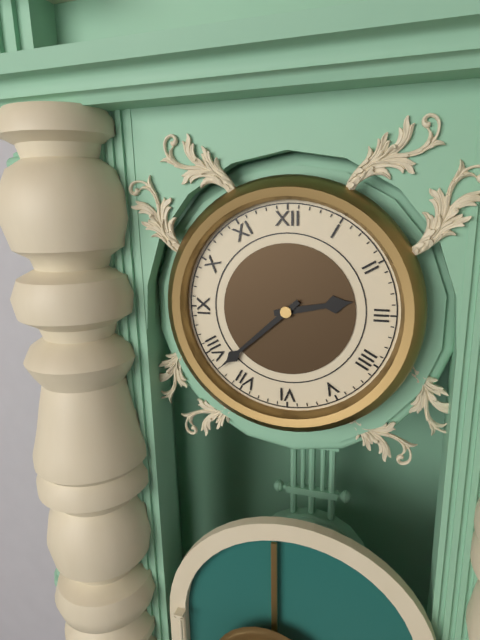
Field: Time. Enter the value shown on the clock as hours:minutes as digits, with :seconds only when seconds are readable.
2:38
